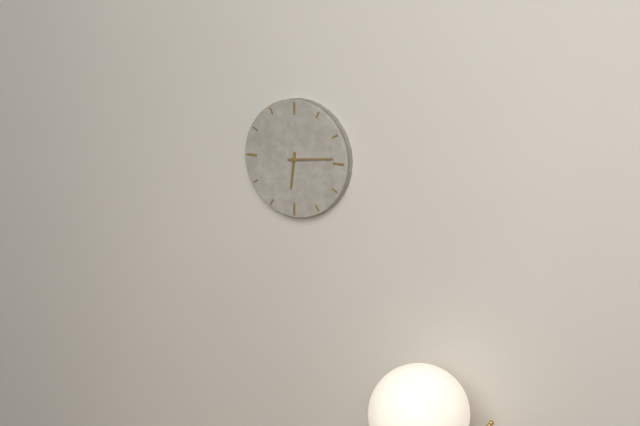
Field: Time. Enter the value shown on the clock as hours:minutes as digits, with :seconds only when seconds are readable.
6:14
